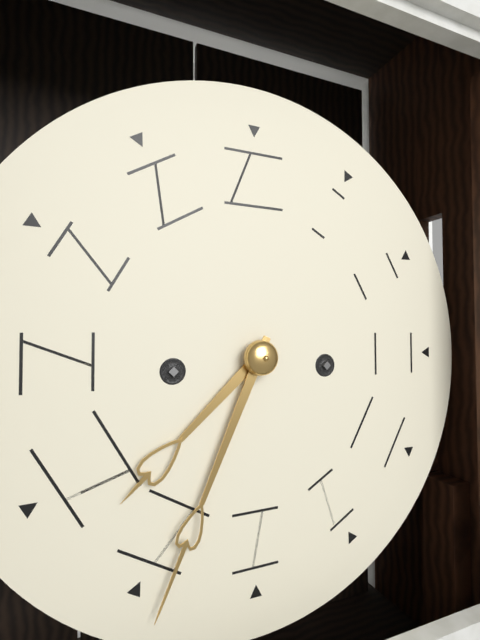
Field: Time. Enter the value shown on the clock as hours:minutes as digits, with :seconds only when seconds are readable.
7:34
